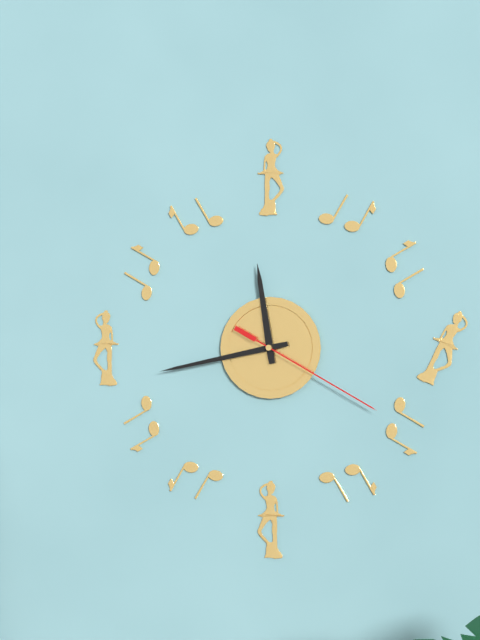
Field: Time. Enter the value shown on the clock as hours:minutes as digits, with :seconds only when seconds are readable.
11:43:20
